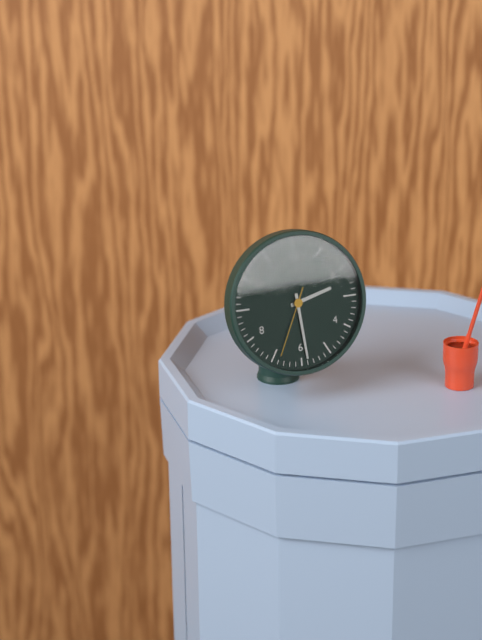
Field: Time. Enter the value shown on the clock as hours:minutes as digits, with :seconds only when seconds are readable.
2:29:34
